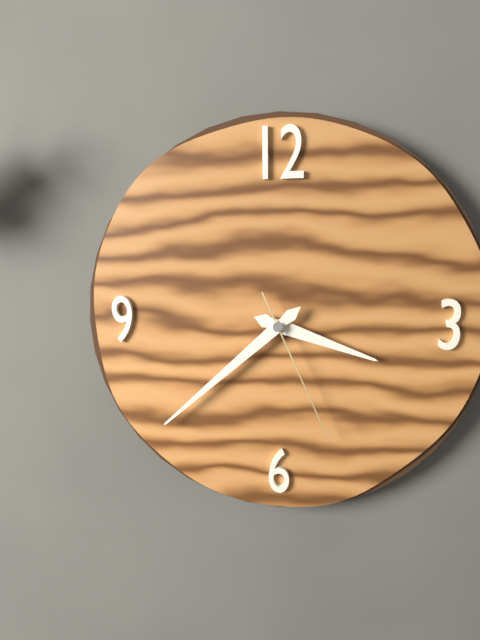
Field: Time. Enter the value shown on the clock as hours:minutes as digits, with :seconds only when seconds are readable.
3:38:26
